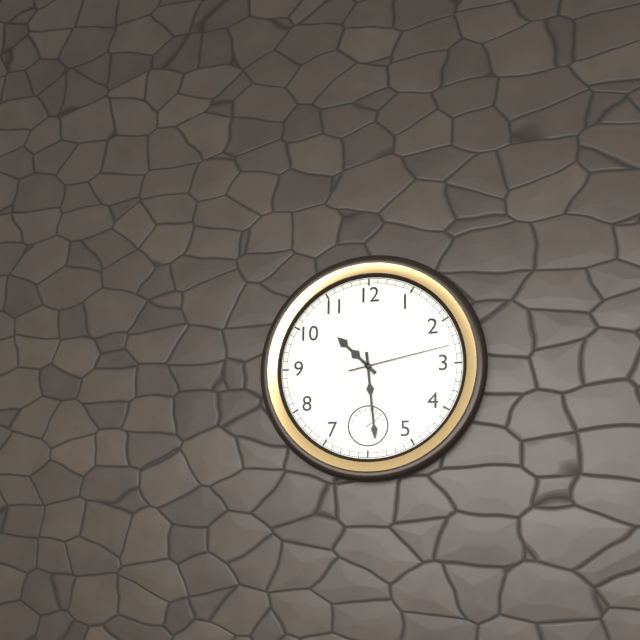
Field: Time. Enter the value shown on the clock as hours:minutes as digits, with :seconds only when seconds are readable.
10:29:13
